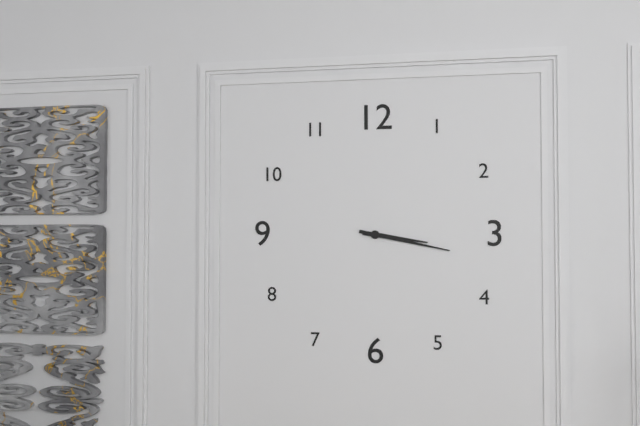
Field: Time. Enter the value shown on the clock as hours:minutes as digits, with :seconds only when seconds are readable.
3:17
